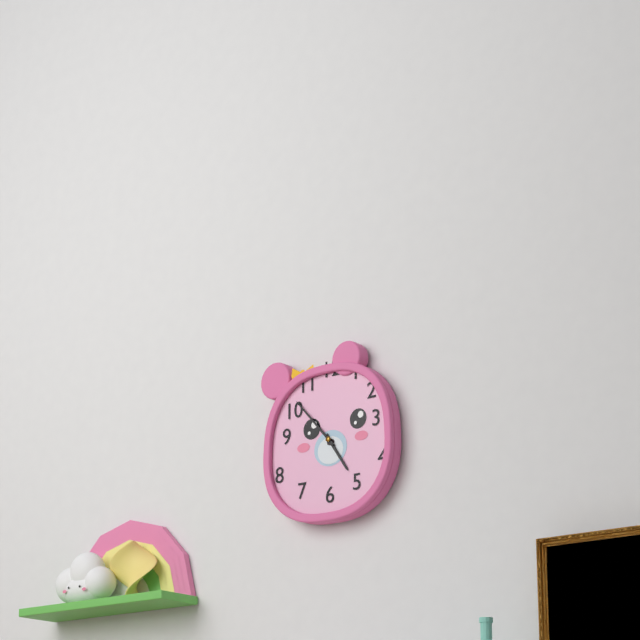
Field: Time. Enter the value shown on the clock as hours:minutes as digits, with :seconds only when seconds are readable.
4:53
